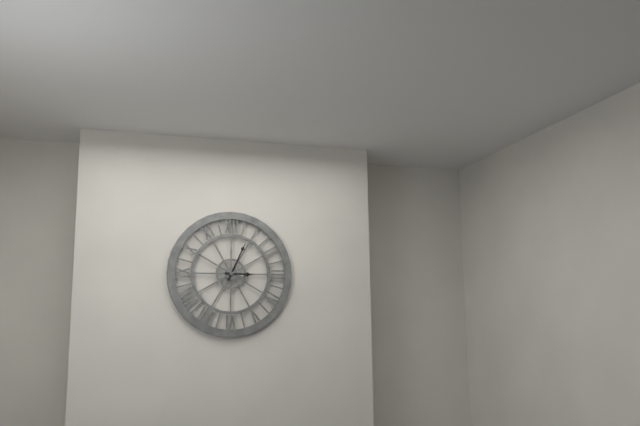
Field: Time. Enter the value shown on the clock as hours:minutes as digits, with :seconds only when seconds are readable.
3:04
